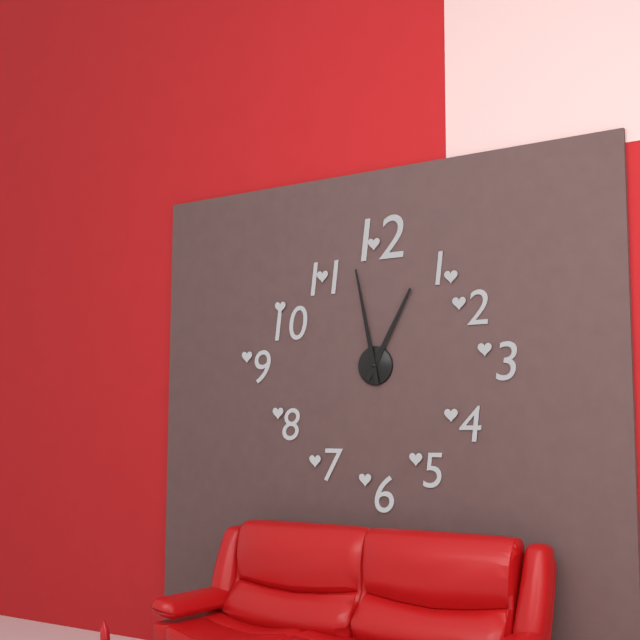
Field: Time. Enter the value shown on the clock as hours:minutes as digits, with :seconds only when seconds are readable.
12:58
